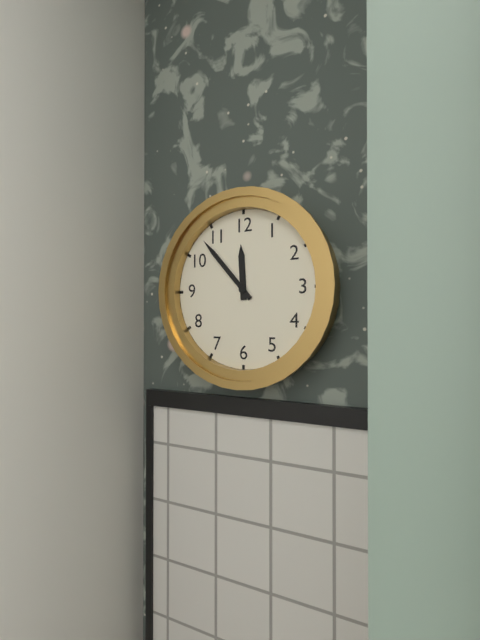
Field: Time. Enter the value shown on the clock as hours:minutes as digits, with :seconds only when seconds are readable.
11:53
